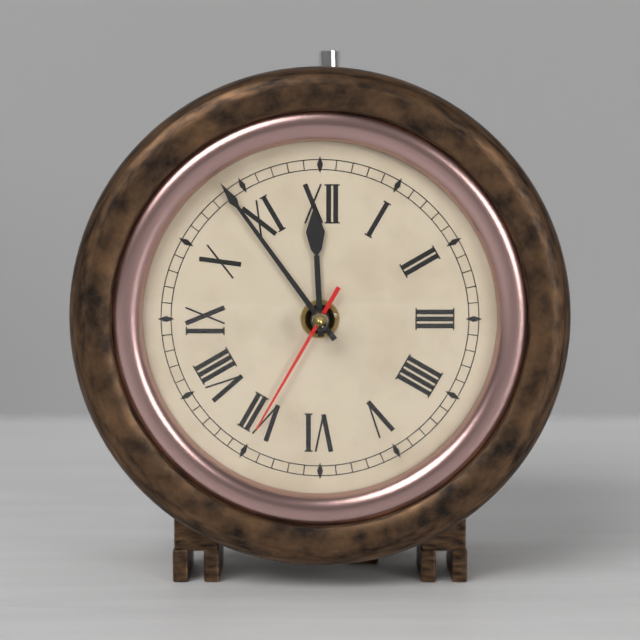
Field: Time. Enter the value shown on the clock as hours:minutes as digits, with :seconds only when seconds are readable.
11:54:35
